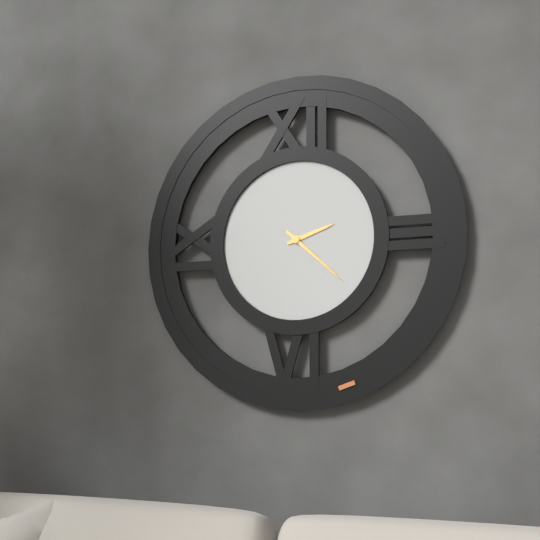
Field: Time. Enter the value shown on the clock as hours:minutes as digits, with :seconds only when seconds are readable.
2:22
